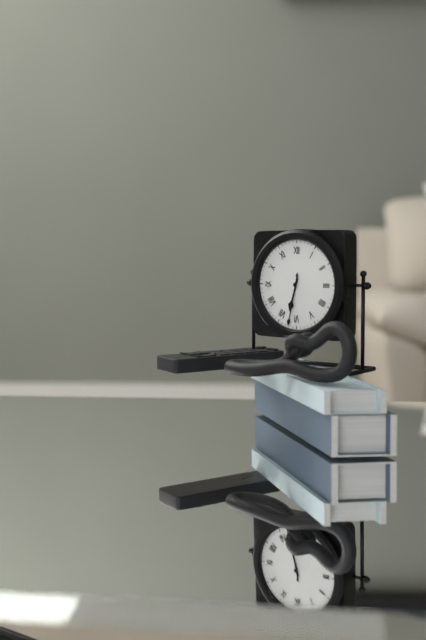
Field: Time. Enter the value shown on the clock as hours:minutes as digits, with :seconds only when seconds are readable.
6:32
